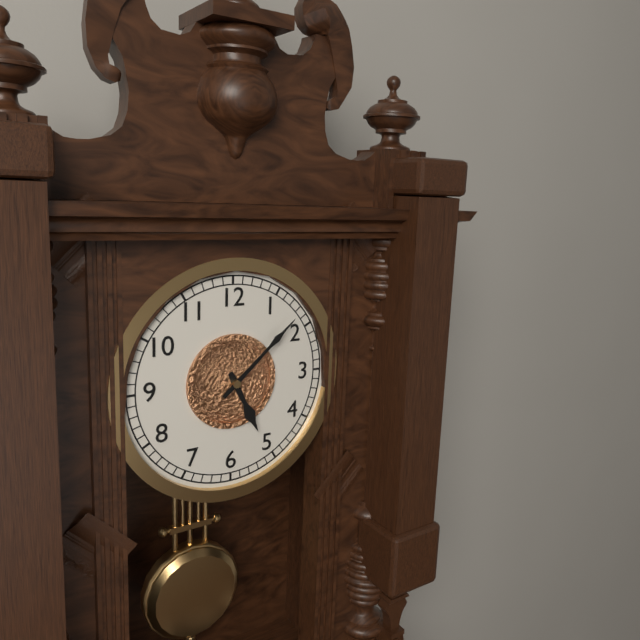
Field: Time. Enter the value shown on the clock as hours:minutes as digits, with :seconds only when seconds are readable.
5:08
